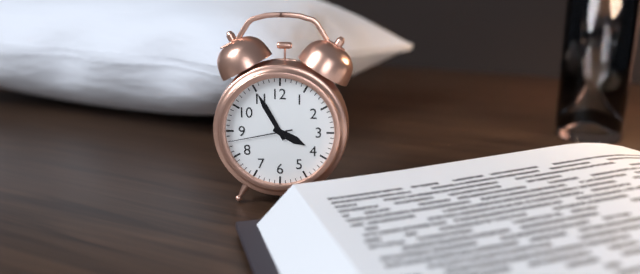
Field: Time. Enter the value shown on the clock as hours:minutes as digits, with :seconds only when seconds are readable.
3:55:43
